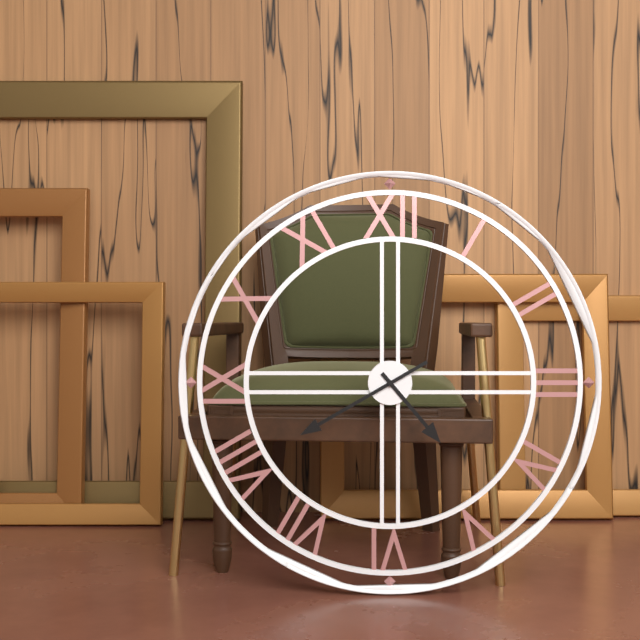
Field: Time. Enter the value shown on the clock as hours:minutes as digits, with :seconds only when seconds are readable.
4:40
